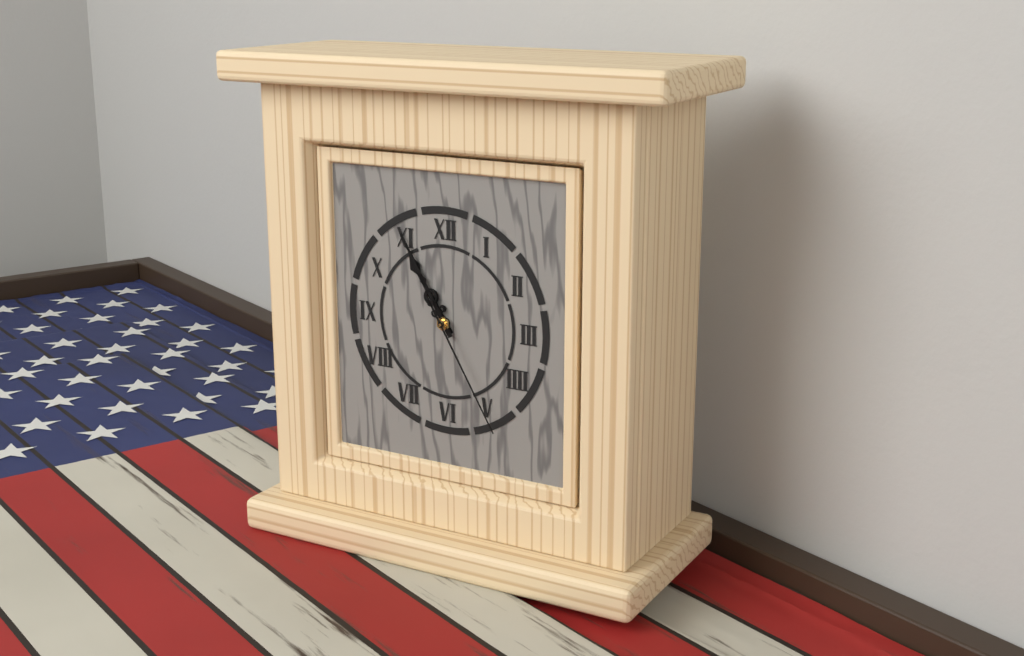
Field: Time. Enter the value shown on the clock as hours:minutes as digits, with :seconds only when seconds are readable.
10:55:25
